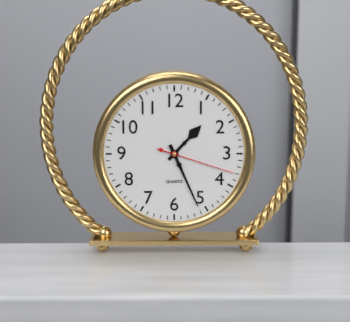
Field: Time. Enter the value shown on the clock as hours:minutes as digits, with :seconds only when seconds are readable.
1:26:18
